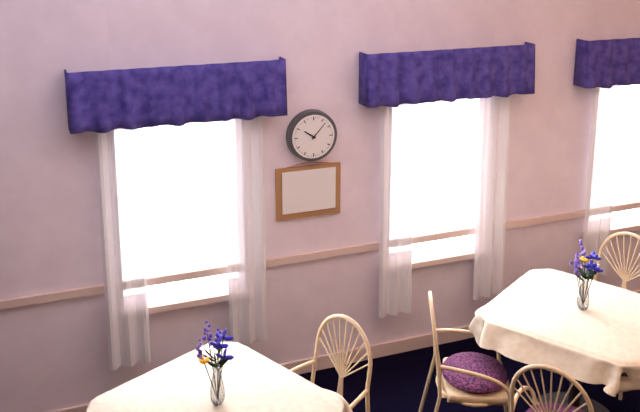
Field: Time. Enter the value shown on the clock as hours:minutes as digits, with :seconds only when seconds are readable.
10:07
